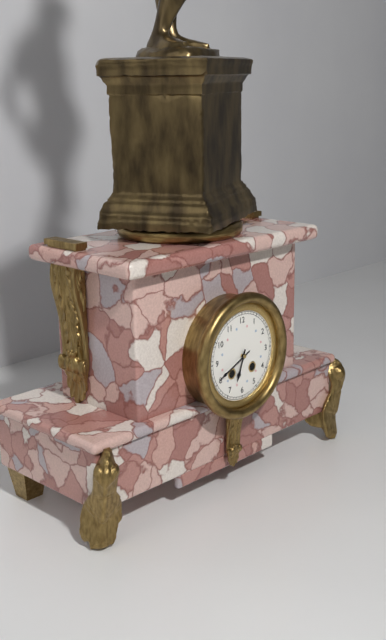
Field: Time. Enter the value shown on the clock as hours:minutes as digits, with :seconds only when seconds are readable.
6:41
